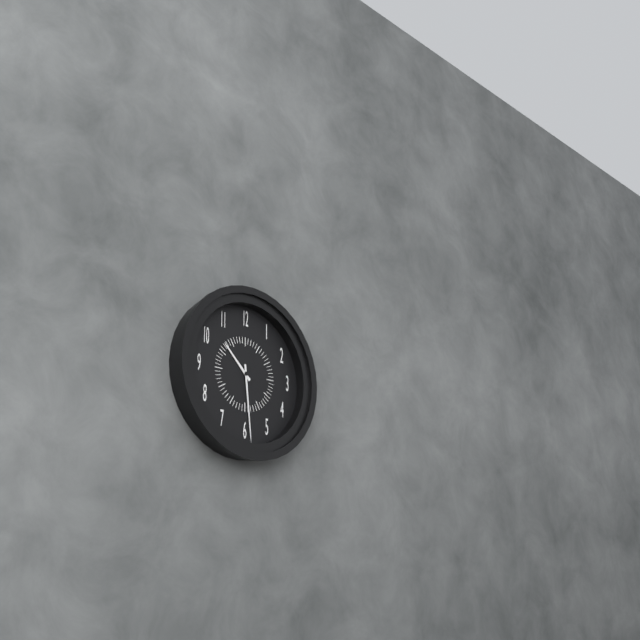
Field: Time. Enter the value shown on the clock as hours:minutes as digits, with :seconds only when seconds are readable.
10:29
